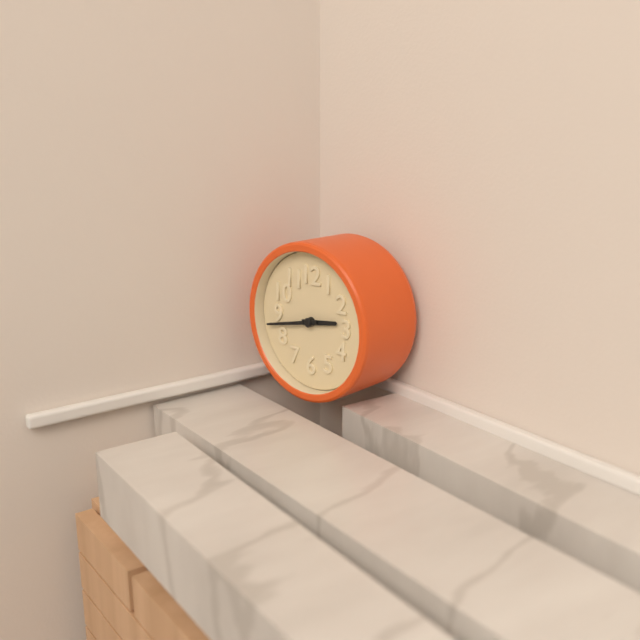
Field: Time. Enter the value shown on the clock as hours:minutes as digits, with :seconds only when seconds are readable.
2:43
